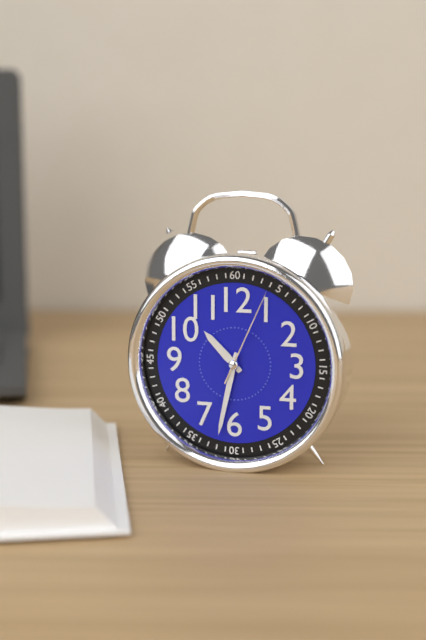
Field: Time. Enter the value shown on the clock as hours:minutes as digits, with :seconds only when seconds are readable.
10:32:04
